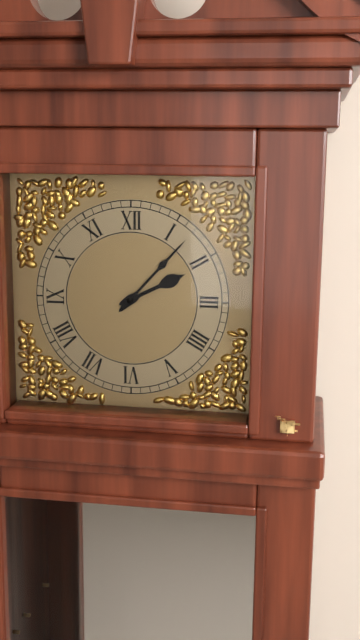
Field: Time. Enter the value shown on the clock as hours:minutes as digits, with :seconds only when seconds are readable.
2:07
